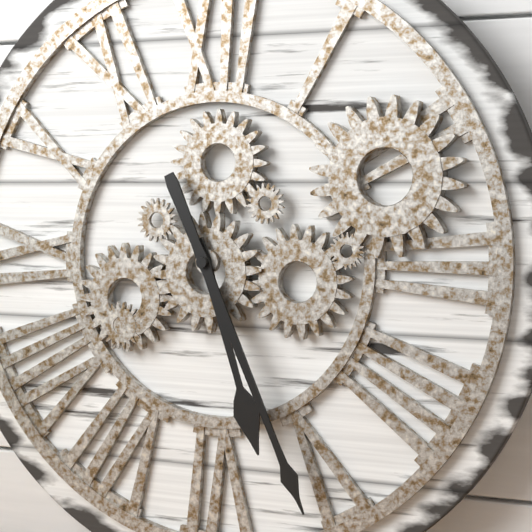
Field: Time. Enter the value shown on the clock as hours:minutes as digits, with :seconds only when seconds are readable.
5:26
